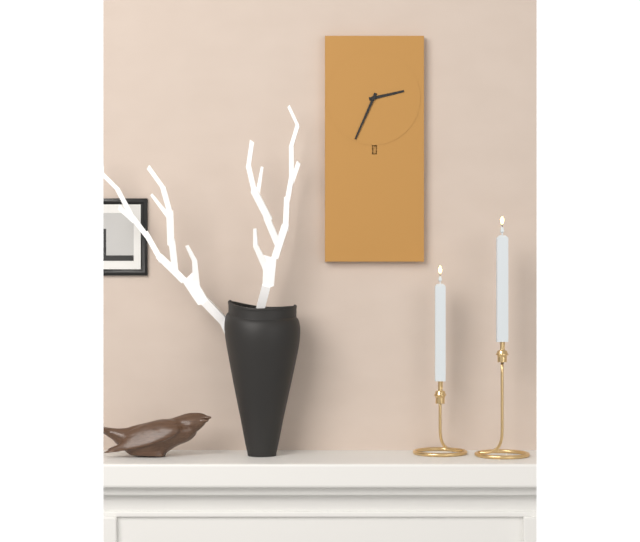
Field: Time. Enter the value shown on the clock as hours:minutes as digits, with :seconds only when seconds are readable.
2:34
